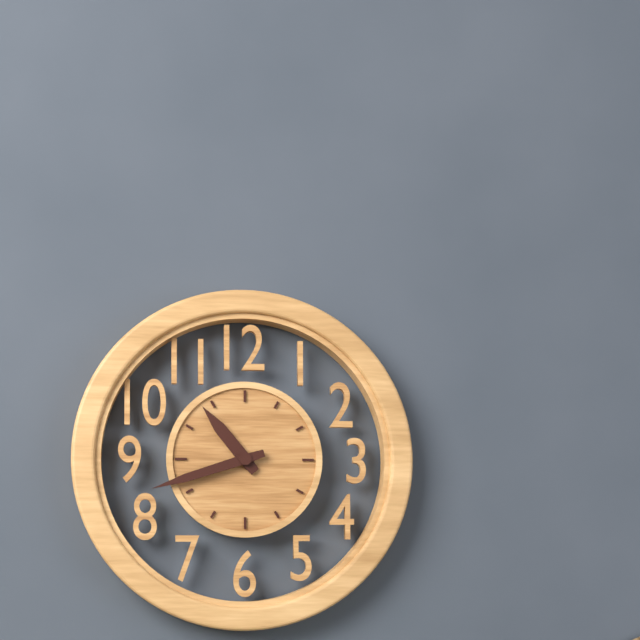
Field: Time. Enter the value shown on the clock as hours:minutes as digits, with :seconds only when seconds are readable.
10:42
